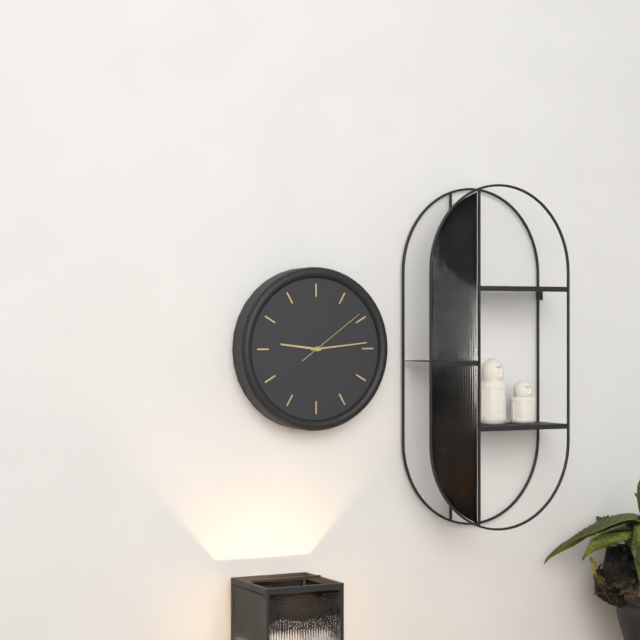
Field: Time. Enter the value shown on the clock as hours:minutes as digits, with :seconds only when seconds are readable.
9:14:09
